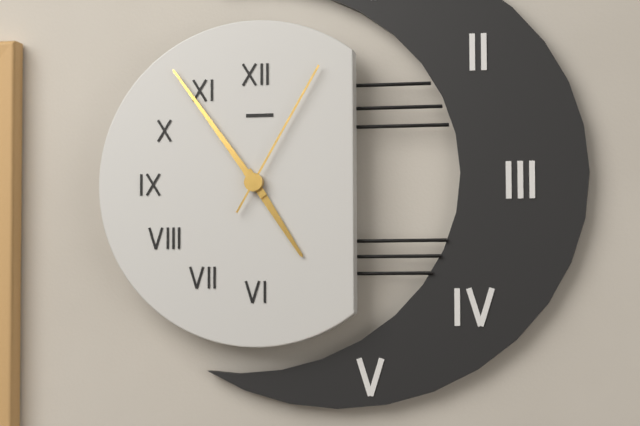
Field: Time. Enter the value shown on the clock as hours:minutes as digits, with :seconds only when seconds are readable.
4:54:05
